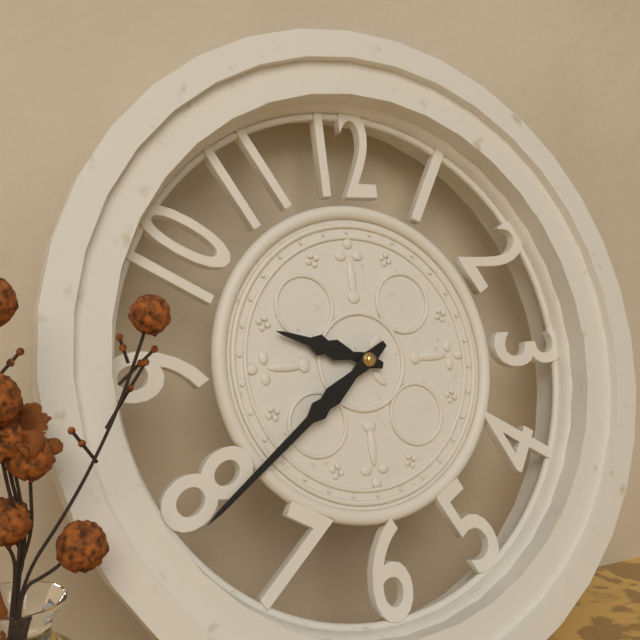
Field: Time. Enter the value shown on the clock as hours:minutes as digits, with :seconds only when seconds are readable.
9:39
